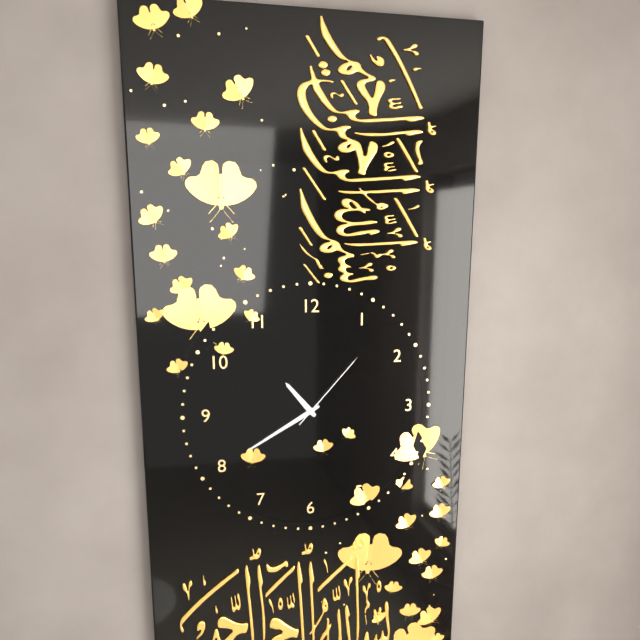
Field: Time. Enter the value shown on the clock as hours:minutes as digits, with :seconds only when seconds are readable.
10:40:07
